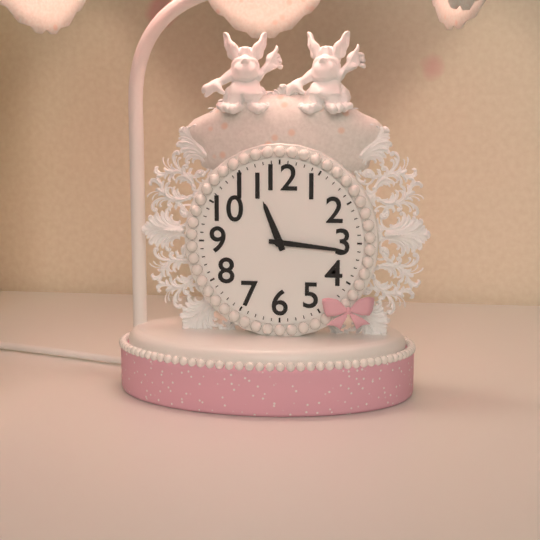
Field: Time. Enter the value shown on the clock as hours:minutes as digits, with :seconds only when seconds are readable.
11:16
